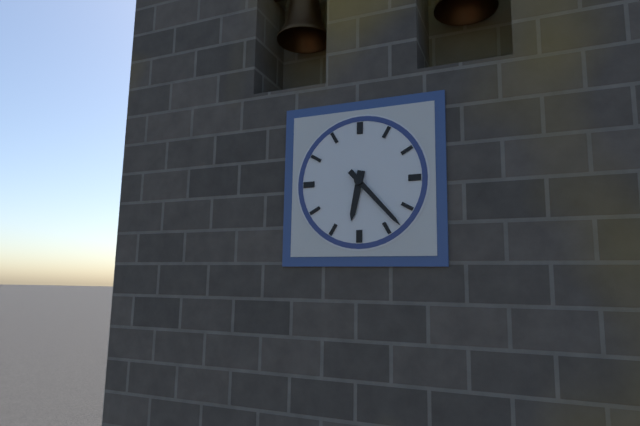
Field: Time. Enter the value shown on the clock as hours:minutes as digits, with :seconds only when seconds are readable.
6:23
